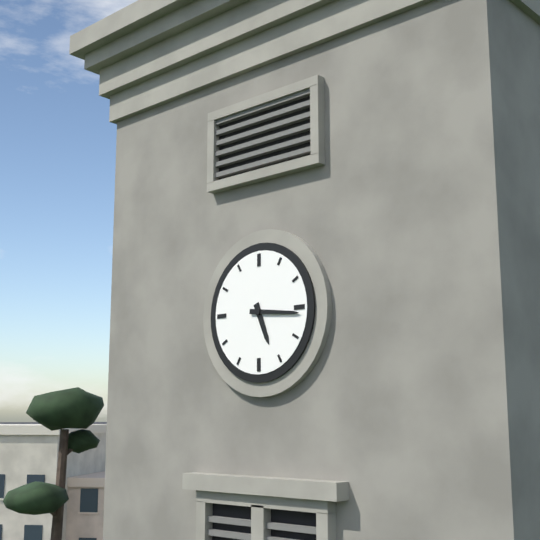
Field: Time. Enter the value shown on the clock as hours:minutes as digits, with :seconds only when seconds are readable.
5:16
